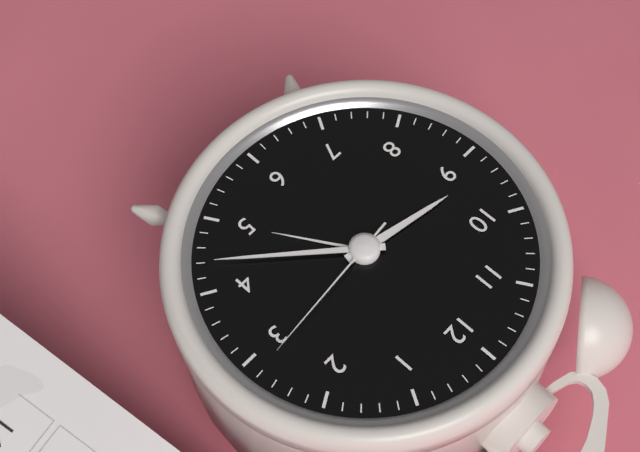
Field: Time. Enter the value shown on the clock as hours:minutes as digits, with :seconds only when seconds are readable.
9:22:14
